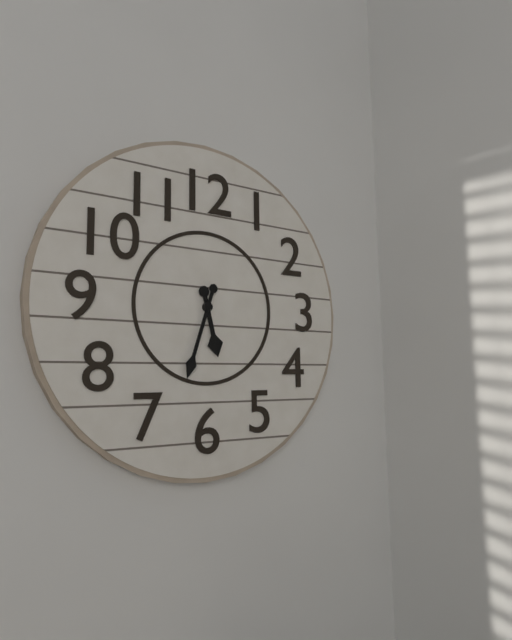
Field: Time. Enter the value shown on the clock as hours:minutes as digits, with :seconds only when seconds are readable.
5:33
